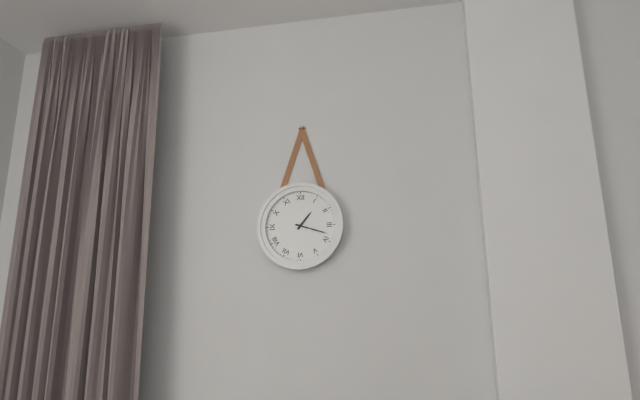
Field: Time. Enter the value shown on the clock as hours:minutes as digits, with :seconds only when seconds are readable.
1:18
